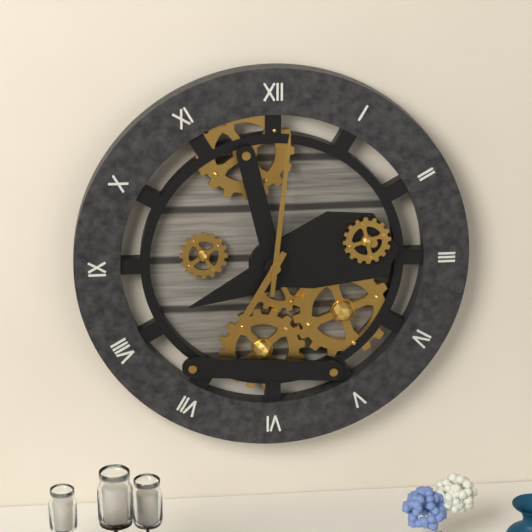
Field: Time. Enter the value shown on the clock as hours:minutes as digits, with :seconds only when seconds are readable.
7:01
